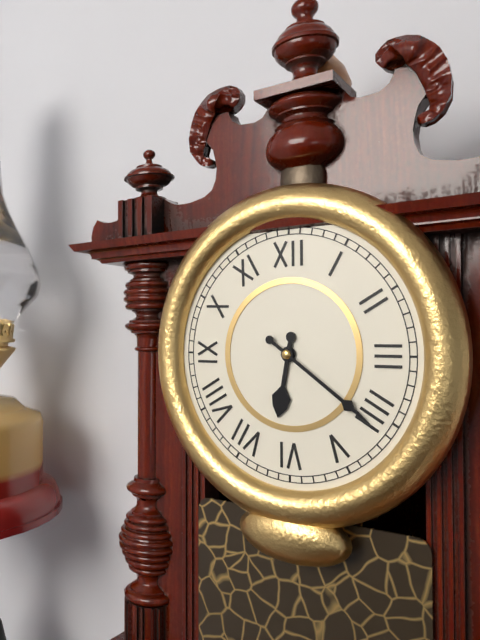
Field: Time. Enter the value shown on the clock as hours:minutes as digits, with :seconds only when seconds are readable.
6:21
